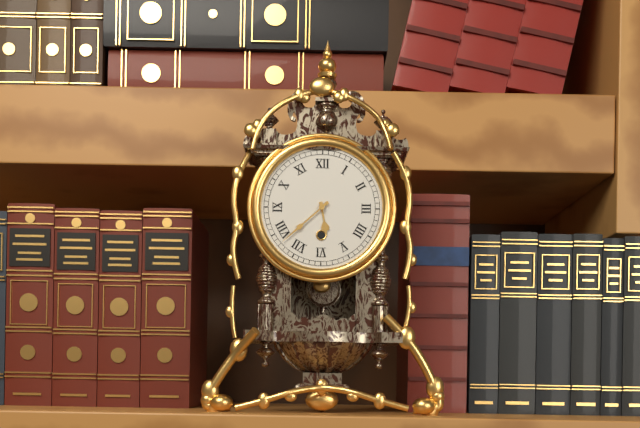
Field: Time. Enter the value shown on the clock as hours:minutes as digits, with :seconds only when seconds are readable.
5:38
